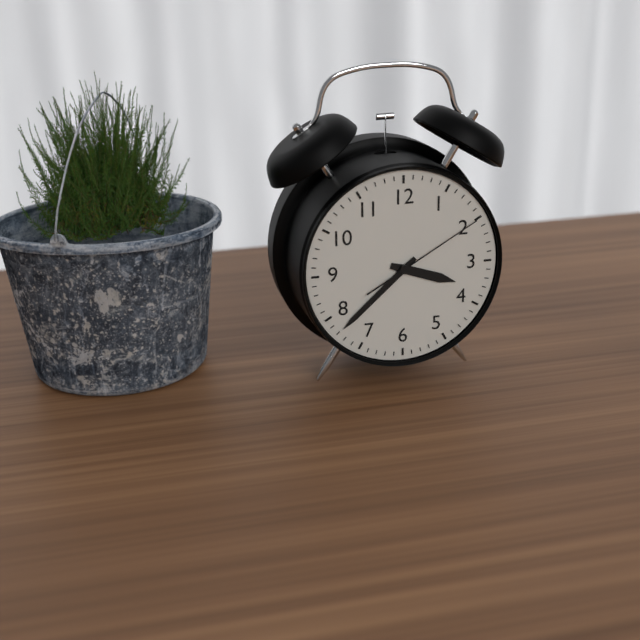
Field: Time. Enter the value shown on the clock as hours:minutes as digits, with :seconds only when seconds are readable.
3:38:10
